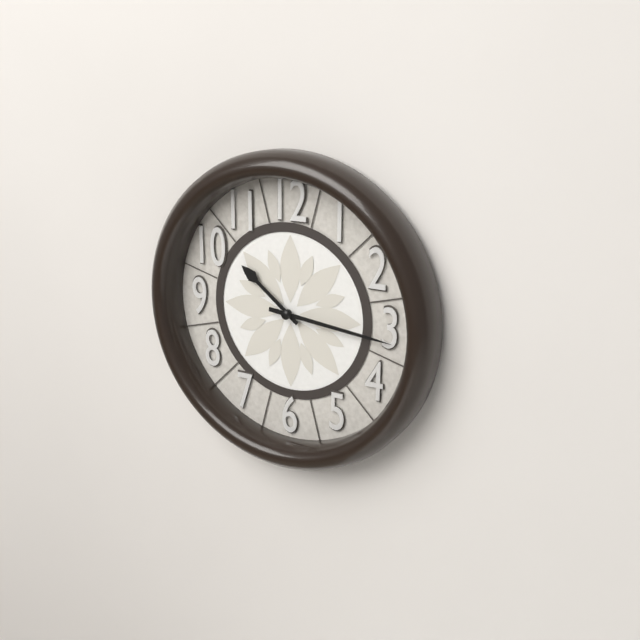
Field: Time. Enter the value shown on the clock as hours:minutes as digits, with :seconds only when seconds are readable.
10:16
